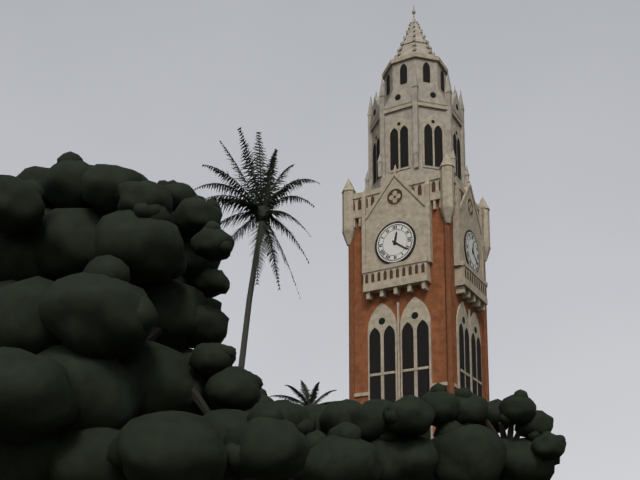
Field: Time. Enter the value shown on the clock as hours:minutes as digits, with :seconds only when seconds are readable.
12:21
